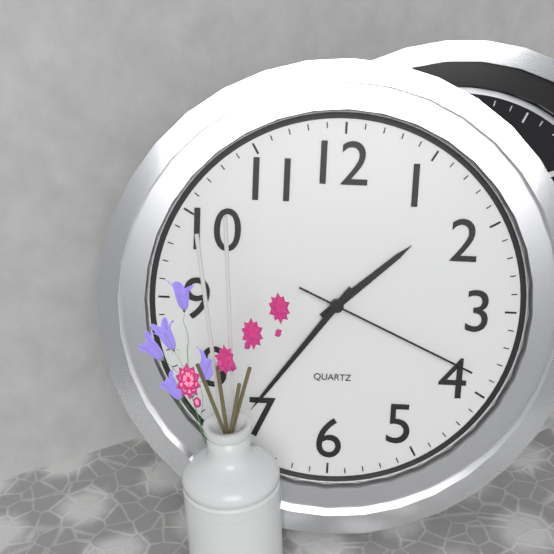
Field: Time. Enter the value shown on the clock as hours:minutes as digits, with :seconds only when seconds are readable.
1:36:19
